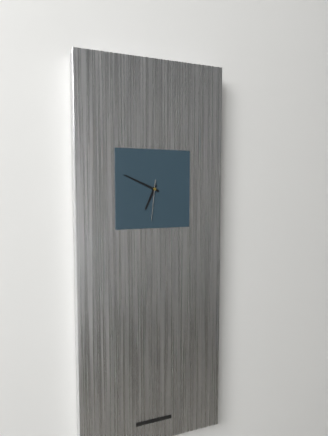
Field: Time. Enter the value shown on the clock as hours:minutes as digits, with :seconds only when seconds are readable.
6:49
